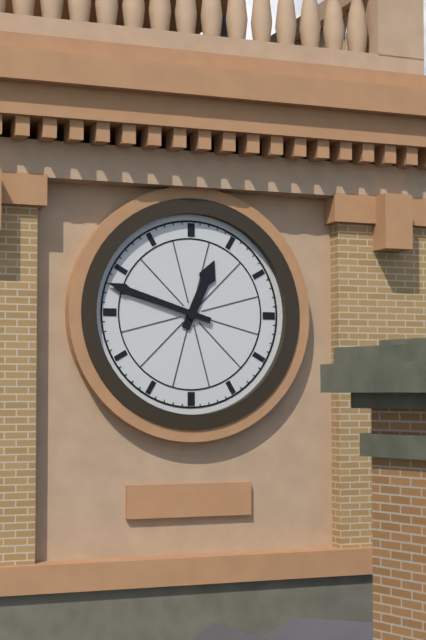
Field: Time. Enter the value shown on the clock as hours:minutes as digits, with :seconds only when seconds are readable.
12:48
